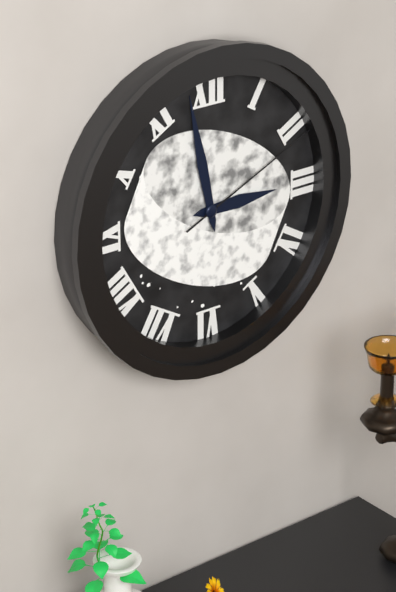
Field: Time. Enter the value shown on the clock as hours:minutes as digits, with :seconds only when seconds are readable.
2:58:11
